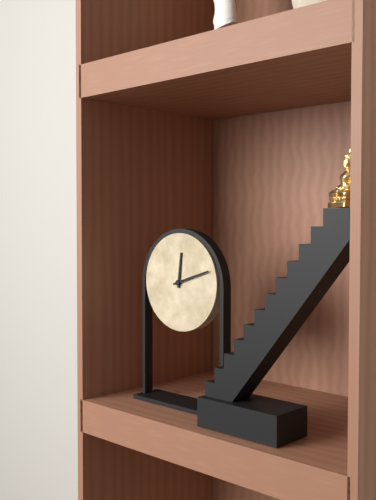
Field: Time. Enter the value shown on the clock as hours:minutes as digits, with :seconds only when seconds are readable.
12:12
